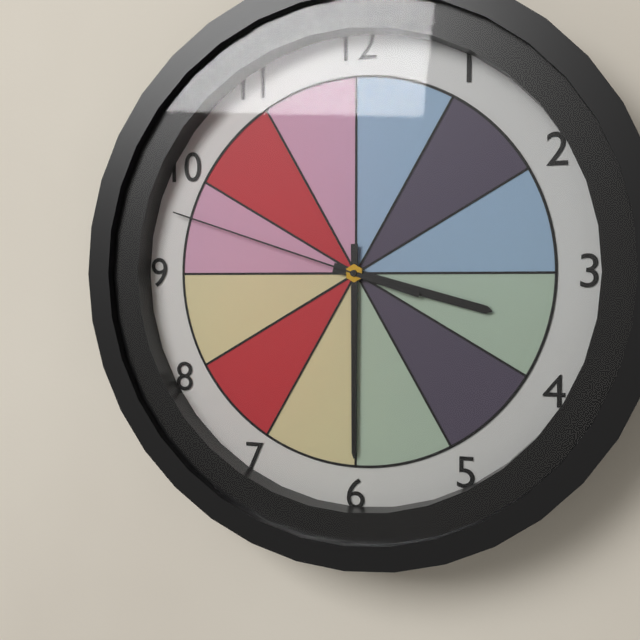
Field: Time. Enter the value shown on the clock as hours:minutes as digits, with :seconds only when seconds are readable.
3:30:48
